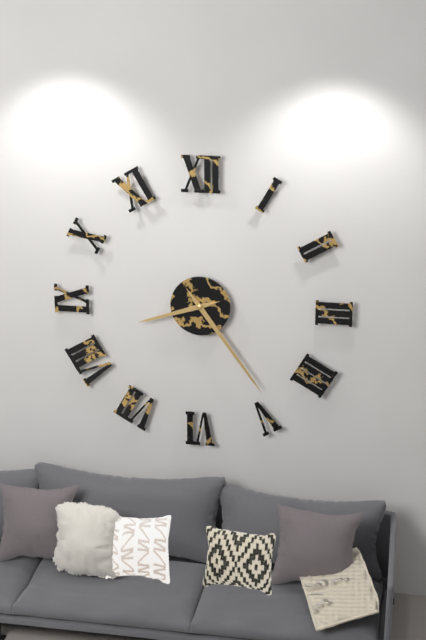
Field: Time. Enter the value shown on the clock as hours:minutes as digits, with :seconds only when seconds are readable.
8:24
